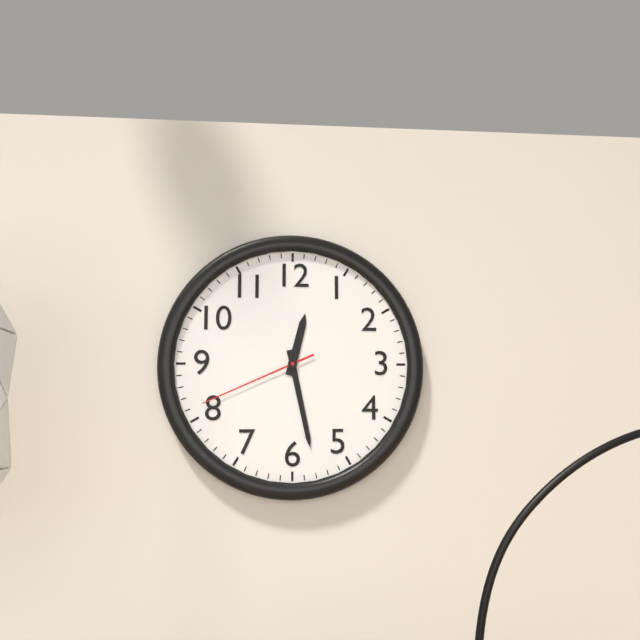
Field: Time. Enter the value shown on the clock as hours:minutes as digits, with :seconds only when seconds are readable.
12:28:41
